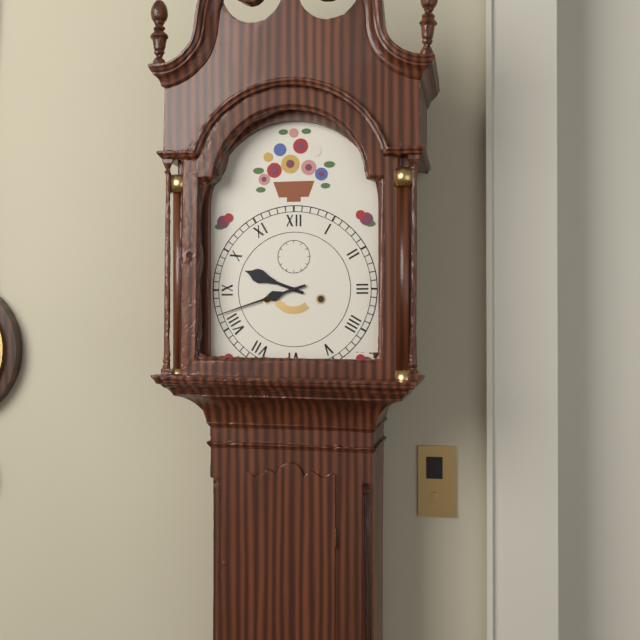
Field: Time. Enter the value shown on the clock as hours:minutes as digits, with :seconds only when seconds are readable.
9:42
